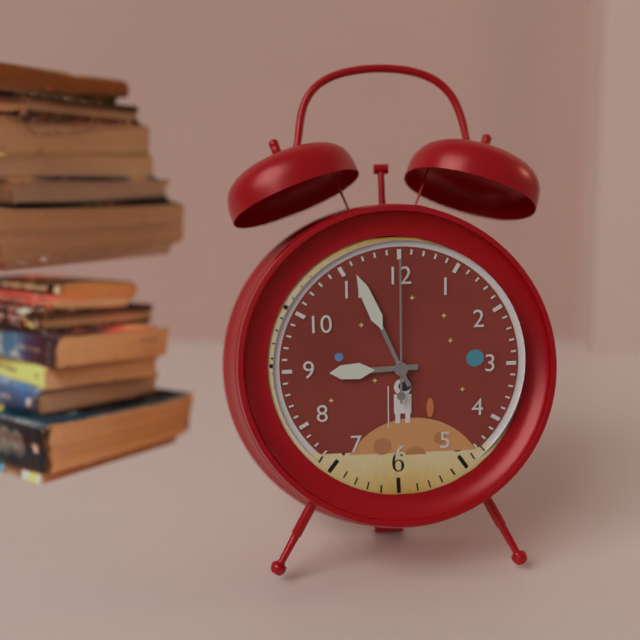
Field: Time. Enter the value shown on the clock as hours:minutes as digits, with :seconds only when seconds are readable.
8:56:00
